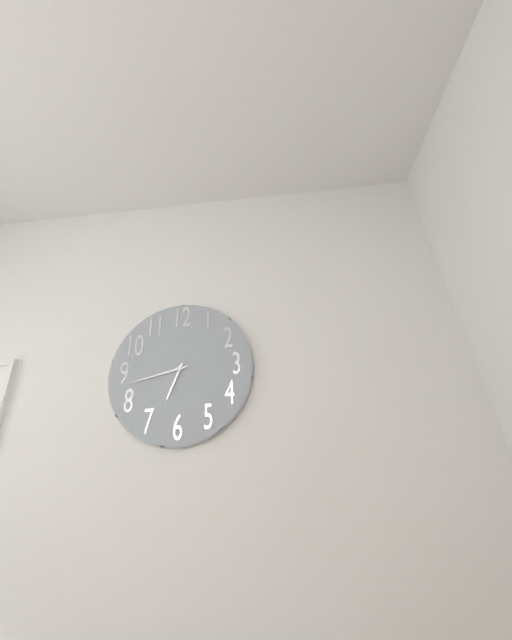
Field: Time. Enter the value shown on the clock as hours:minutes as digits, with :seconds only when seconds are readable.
6:43
